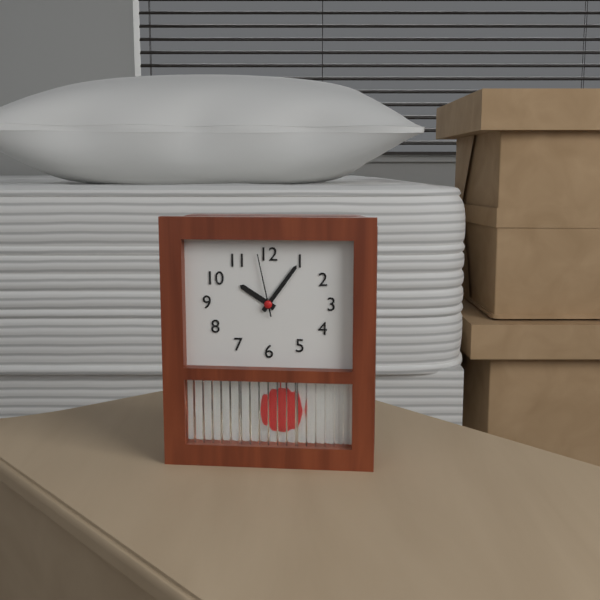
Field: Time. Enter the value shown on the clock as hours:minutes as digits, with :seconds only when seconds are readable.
10:06:58
